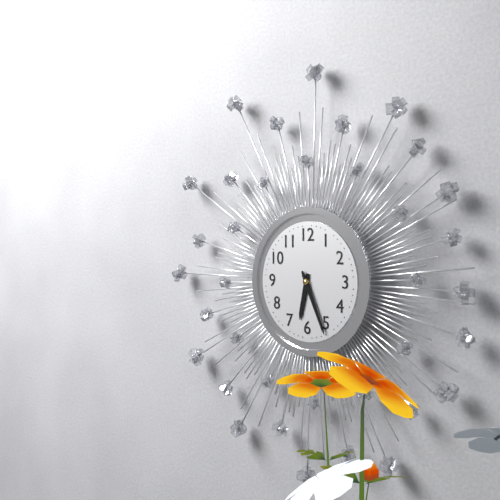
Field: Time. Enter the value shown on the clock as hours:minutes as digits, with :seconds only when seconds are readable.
6:26
